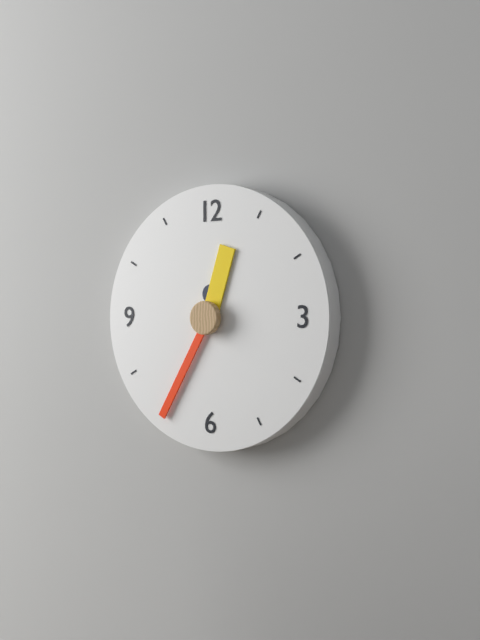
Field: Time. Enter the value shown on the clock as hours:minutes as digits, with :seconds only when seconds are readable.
12:35
